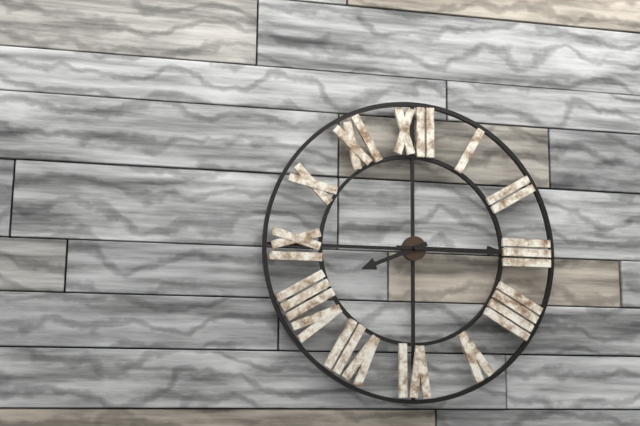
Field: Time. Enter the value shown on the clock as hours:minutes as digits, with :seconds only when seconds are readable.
8:15
